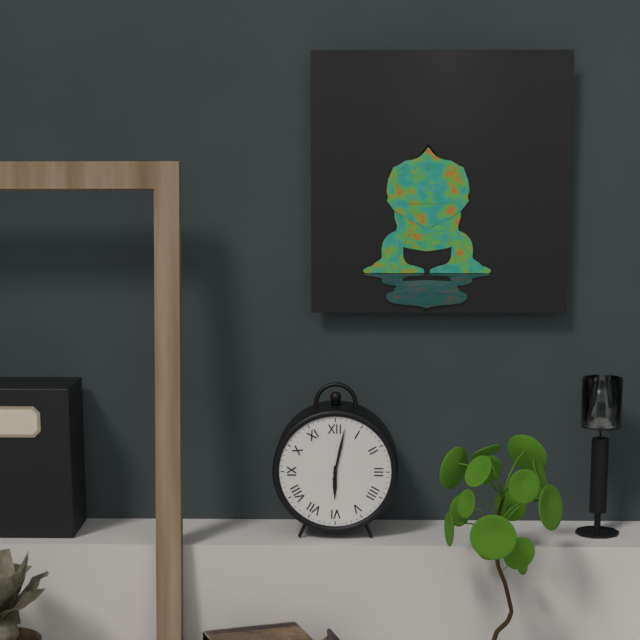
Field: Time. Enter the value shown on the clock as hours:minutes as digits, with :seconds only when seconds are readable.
6:02
